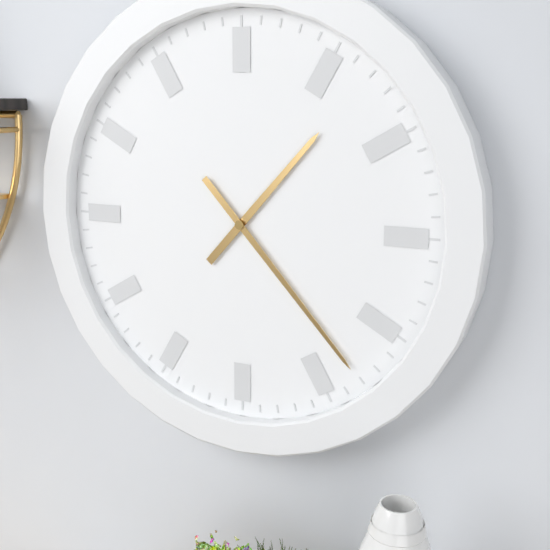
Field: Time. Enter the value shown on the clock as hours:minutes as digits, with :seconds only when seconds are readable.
1:23
